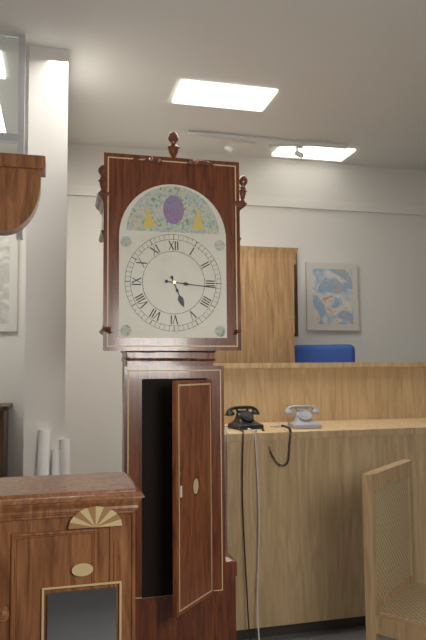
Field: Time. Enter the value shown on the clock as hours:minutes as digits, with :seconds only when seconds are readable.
5:16
